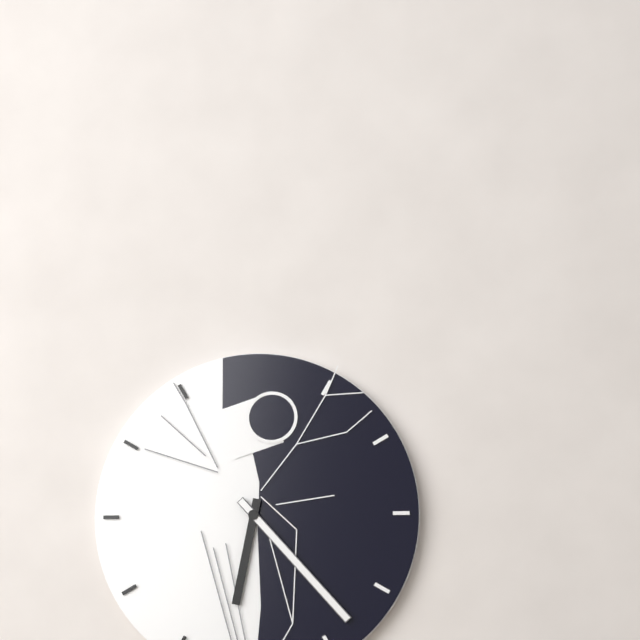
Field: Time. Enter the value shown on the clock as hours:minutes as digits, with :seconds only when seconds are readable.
6:23
